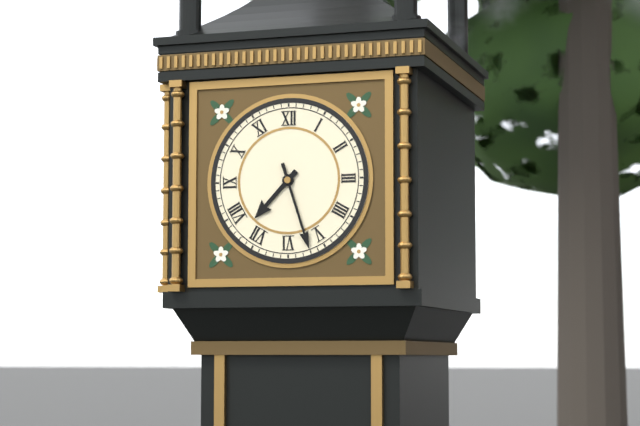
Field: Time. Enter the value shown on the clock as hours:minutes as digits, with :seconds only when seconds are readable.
7:27
